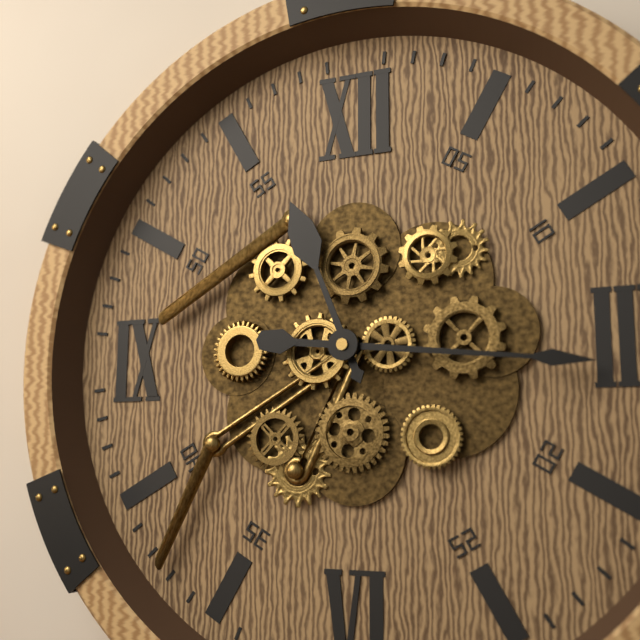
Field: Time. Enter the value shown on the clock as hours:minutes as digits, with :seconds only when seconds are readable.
11:16
